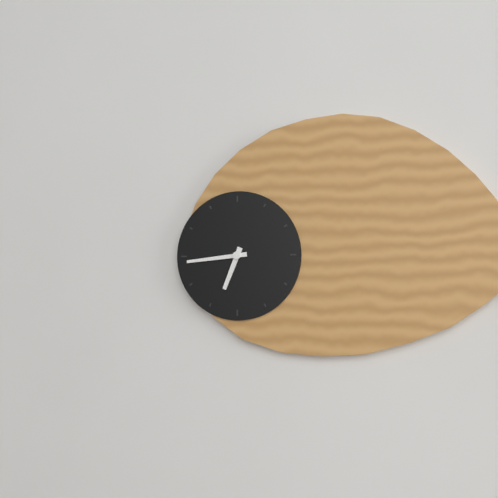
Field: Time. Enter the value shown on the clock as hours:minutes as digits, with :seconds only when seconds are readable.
6:44
